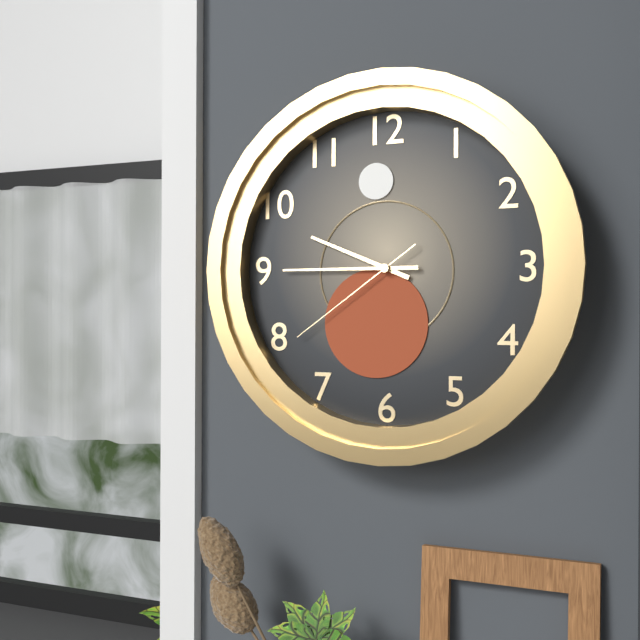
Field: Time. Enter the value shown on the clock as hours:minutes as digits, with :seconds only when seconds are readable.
9:45:39
